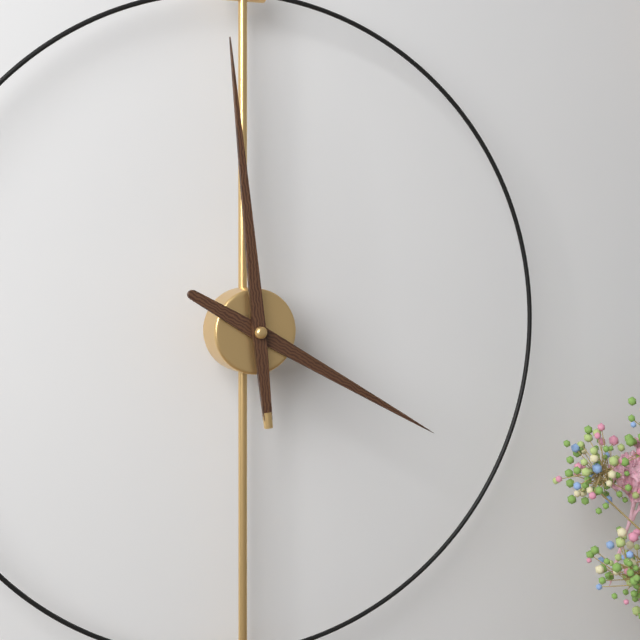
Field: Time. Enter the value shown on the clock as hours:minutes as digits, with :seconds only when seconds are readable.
3:59
